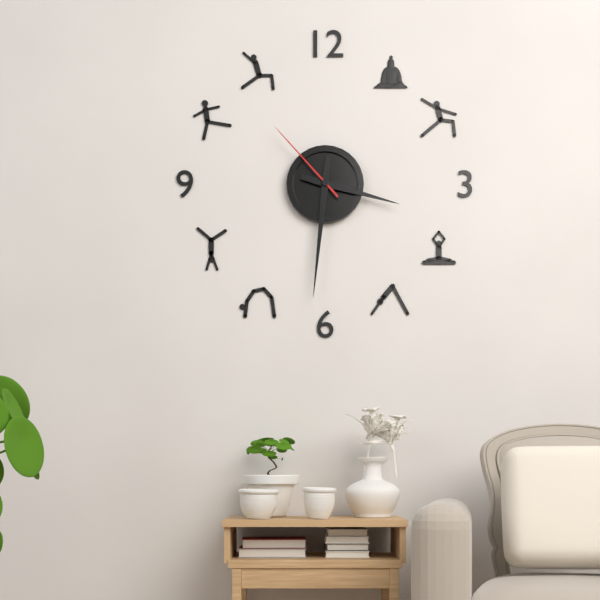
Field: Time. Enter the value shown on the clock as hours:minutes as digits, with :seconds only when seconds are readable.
3:31:53
